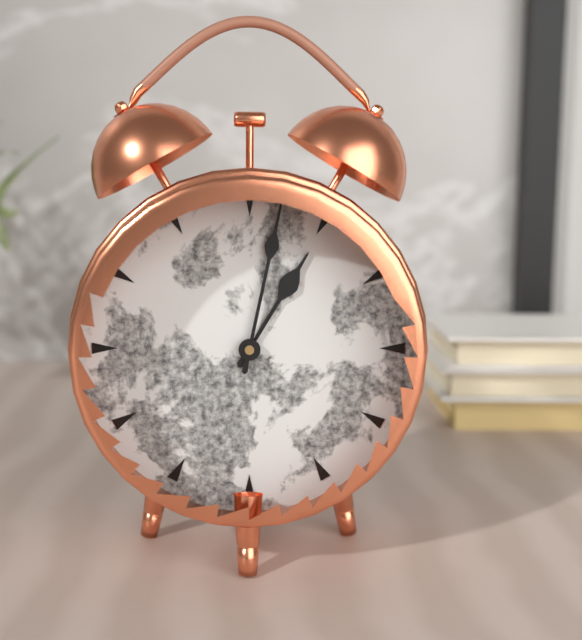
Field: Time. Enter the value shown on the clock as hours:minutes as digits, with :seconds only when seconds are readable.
1:02
